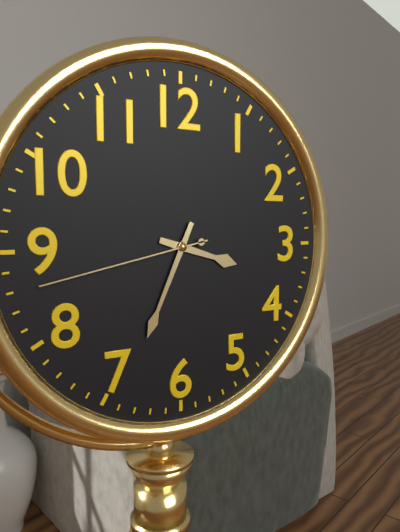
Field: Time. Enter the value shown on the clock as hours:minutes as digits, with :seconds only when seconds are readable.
3:34:43
